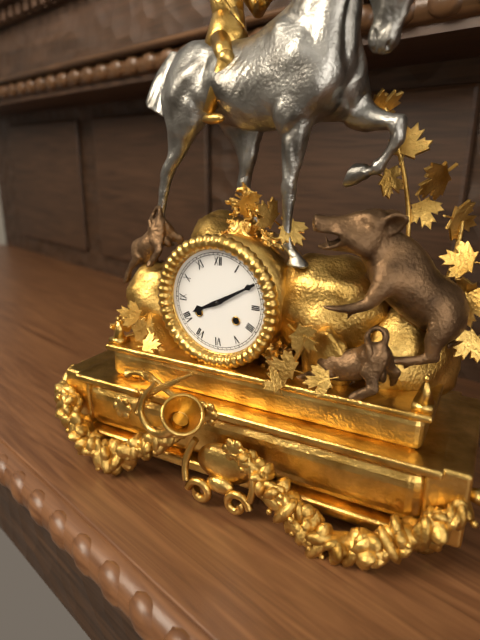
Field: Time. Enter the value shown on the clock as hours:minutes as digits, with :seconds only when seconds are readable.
8:10
